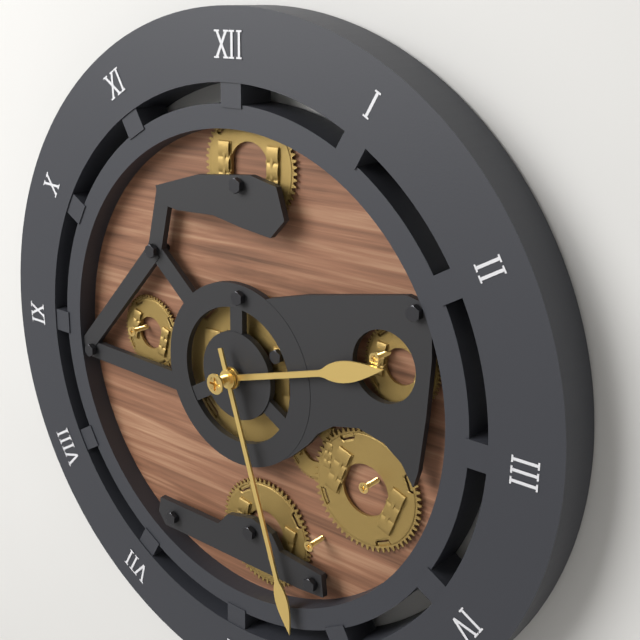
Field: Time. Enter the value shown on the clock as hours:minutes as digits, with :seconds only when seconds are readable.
2:27
